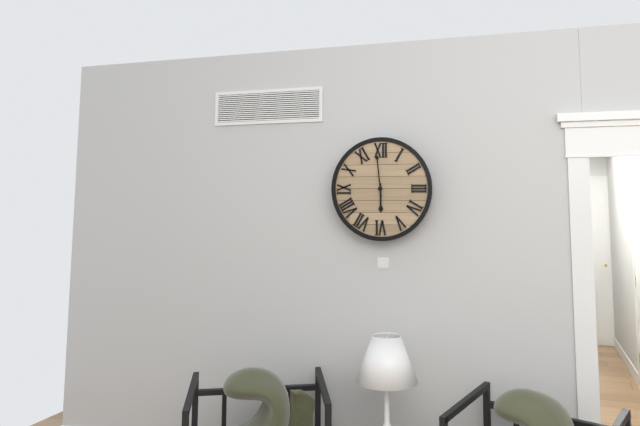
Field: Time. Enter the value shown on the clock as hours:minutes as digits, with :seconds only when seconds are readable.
5:59
